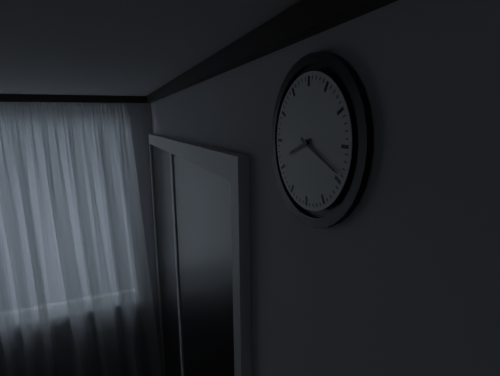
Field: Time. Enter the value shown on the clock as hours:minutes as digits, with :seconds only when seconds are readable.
8:19
